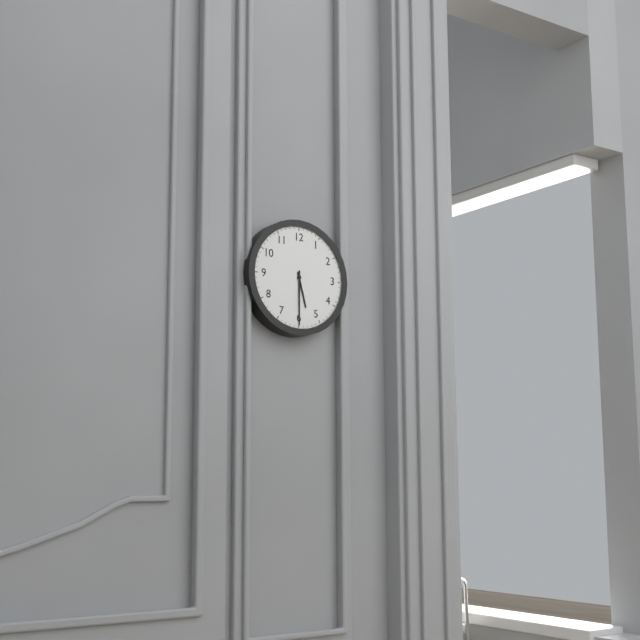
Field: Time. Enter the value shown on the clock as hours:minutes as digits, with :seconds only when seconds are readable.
5:30
